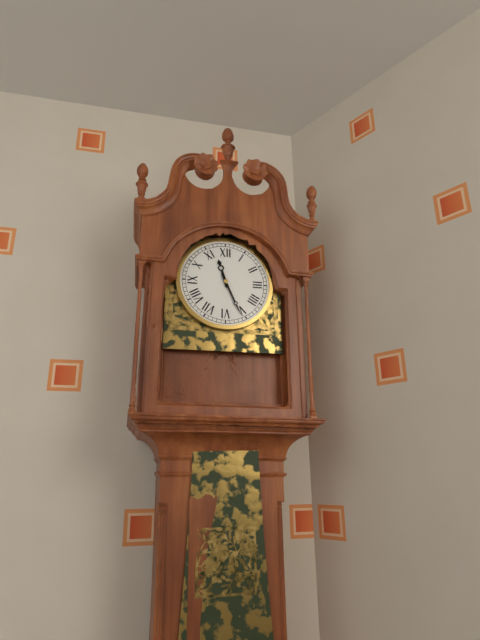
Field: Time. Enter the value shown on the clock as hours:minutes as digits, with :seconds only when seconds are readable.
11:26
